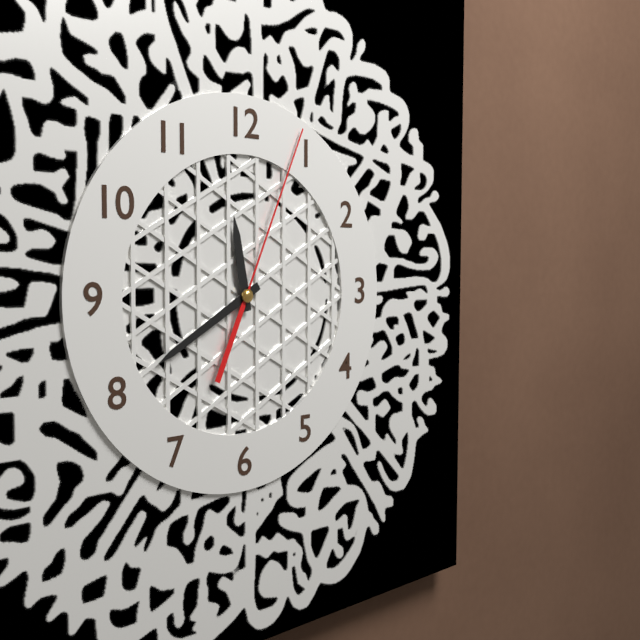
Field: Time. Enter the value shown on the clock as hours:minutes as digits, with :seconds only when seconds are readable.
11:40:04
